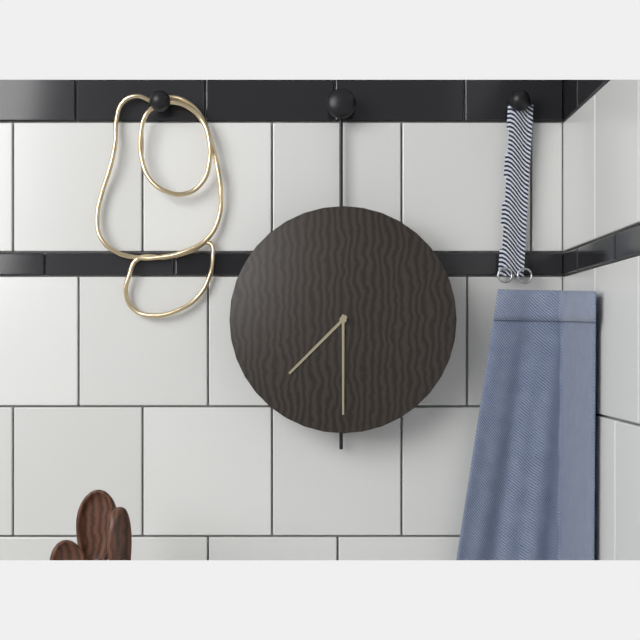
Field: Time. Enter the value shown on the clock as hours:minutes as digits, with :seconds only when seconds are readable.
7:30
